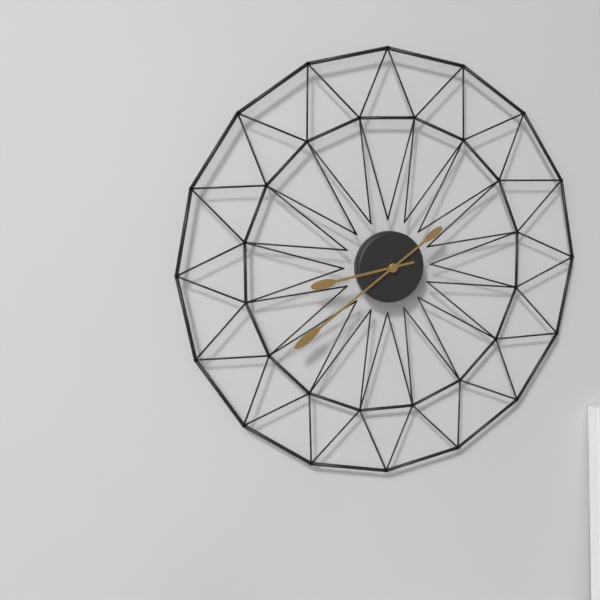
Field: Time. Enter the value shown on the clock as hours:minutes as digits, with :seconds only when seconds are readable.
8:39
